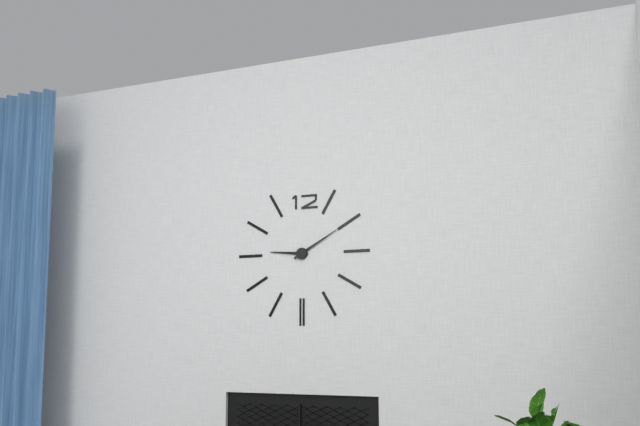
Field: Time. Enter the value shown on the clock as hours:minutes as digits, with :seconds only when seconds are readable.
9:10
